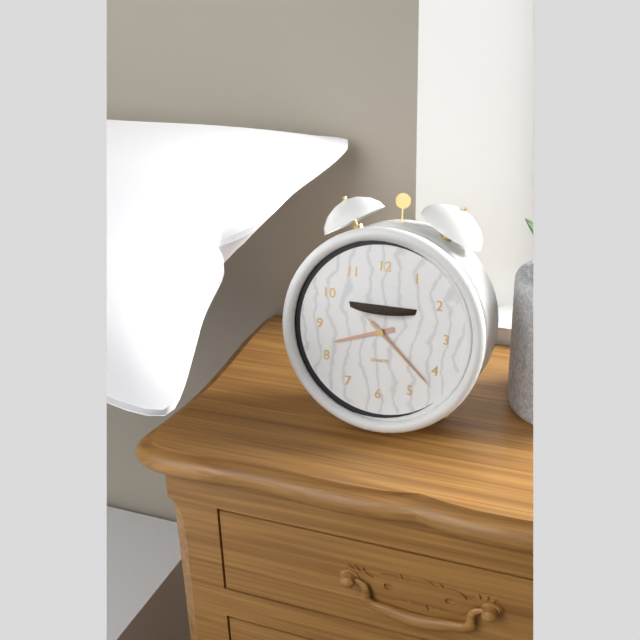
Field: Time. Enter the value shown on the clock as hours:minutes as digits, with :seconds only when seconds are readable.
8:22:22
